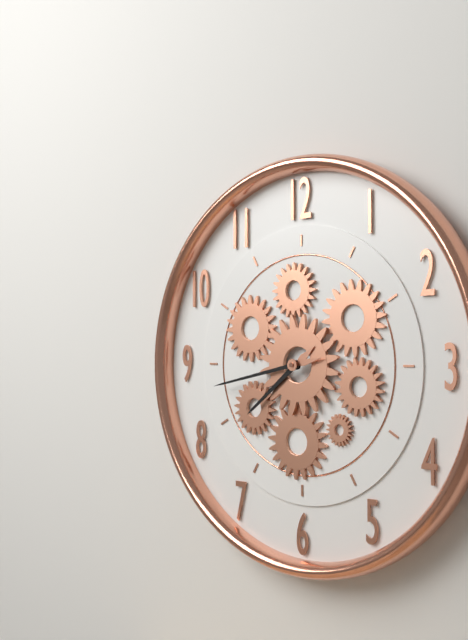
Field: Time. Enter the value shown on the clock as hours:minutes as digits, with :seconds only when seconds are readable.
7:43
